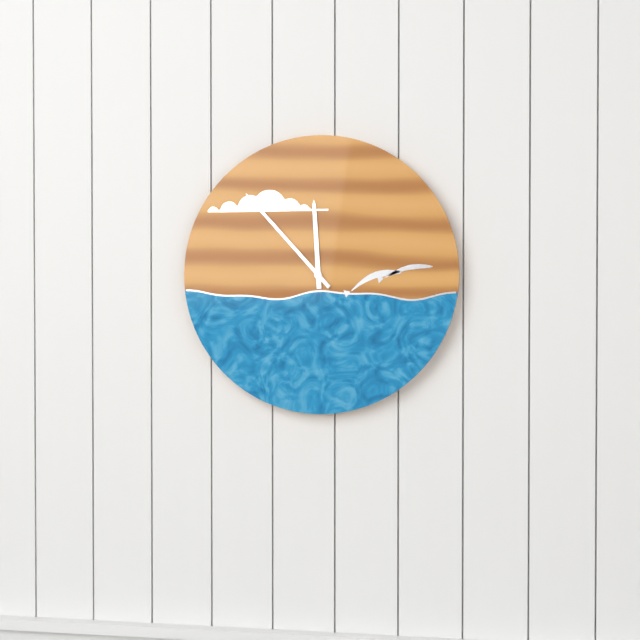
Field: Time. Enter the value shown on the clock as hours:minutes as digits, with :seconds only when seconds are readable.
11:53
